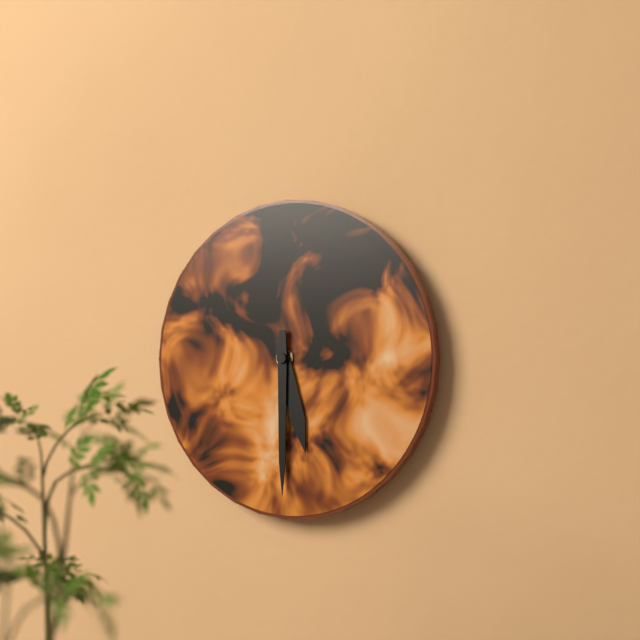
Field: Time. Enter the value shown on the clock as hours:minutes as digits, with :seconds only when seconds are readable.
5:30
